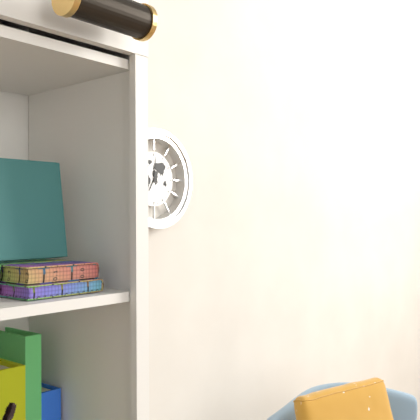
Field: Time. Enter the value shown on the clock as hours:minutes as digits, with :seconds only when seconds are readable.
7:01
